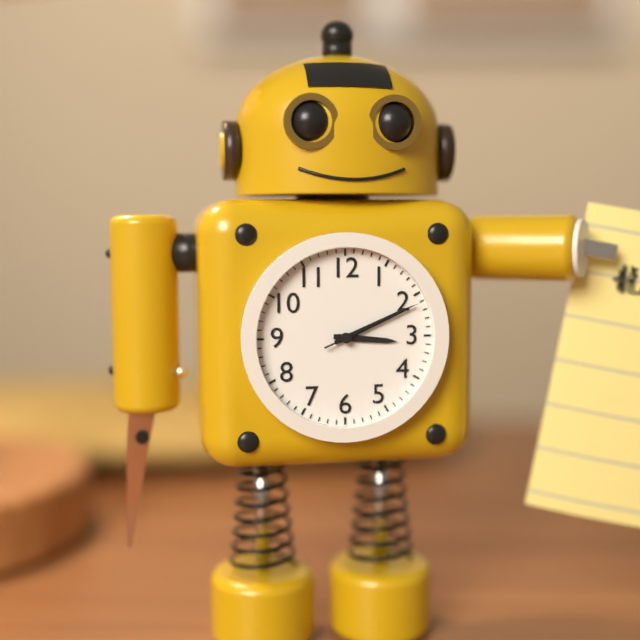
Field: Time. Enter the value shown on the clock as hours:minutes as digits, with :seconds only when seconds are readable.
3:11:11
